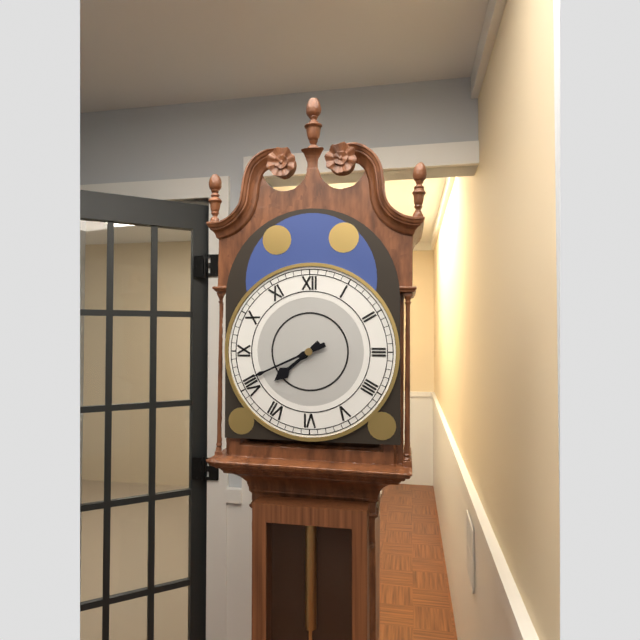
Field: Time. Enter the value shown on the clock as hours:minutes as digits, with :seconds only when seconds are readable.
7:41
